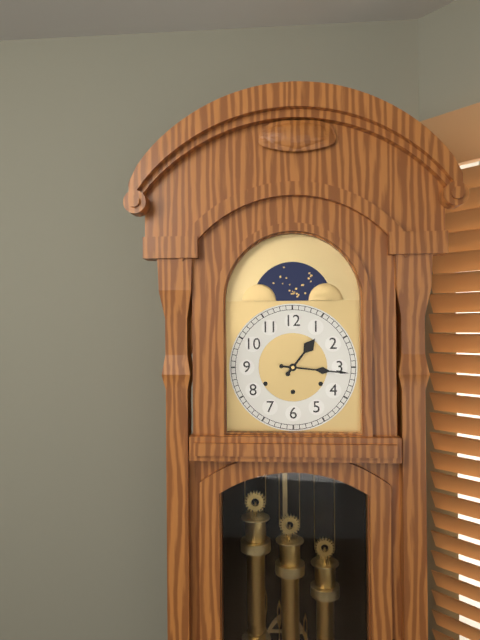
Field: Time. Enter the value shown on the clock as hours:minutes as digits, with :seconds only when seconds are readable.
1:16
